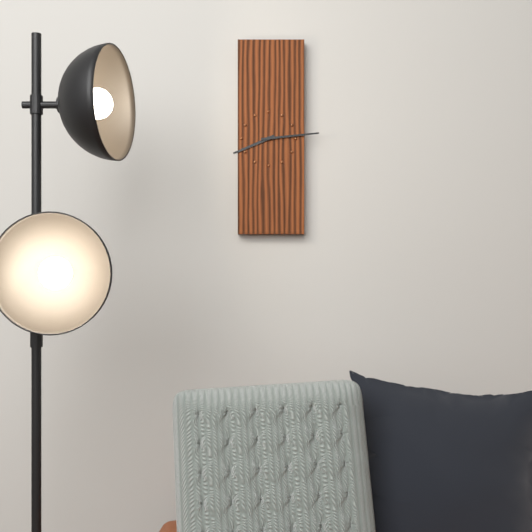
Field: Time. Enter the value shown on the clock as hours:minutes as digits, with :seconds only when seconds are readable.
8:14
